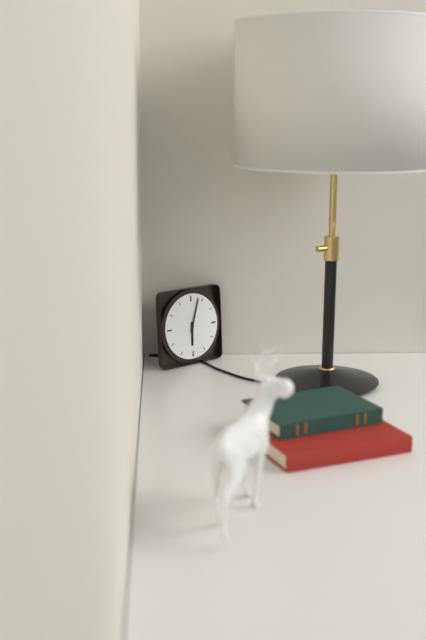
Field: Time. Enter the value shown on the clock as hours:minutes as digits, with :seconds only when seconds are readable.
6:03
